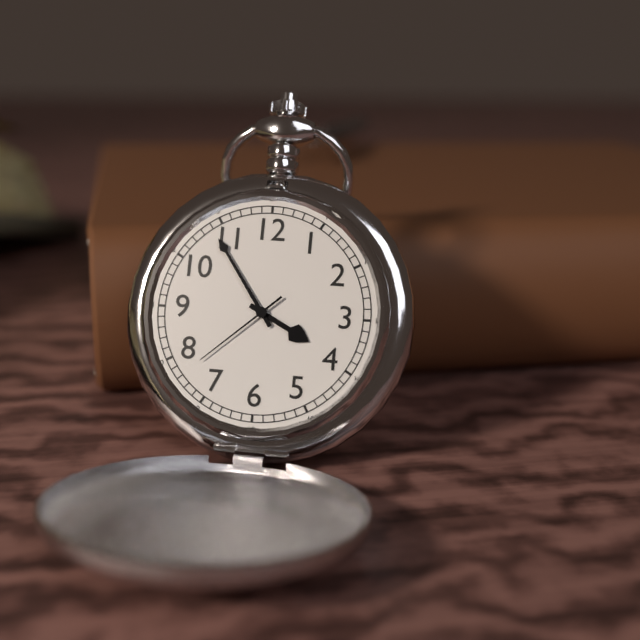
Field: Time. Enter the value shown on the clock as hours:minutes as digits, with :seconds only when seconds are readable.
3:54:38
